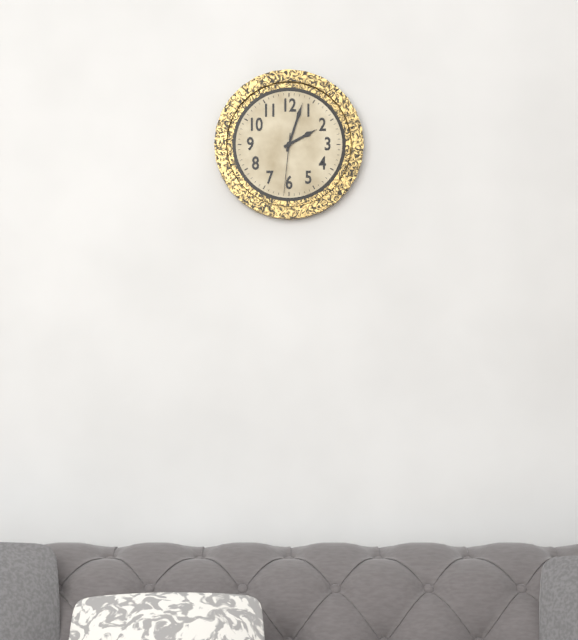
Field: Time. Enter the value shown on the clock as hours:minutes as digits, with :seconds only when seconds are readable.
2:03:31
